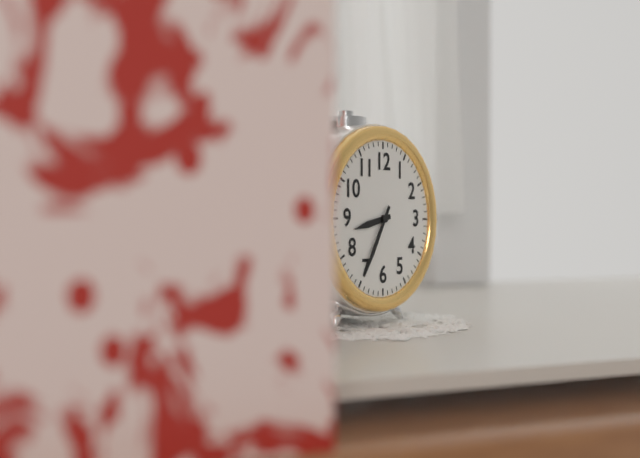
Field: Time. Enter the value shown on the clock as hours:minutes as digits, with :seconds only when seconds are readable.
8:35
